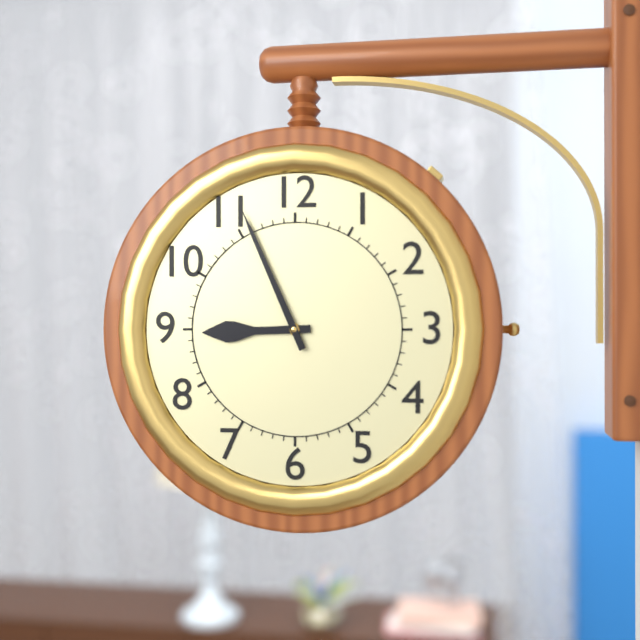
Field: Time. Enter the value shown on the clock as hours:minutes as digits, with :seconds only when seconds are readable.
8:56
